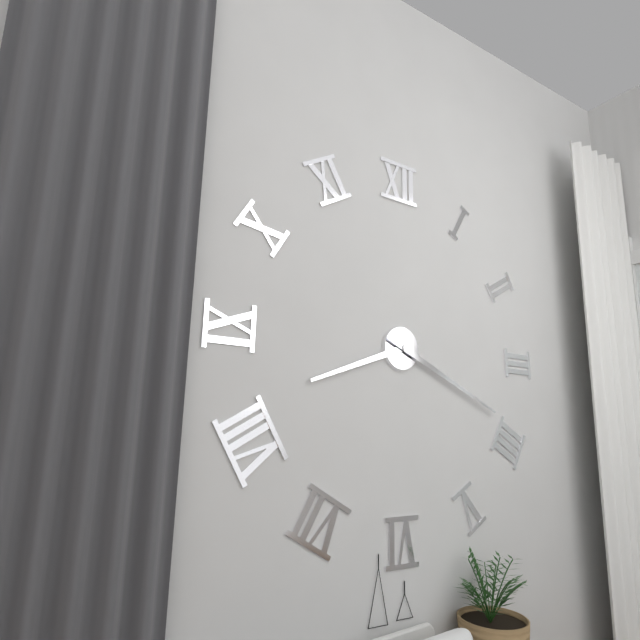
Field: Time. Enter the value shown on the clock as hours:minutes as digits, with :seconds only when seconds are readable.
8:19
